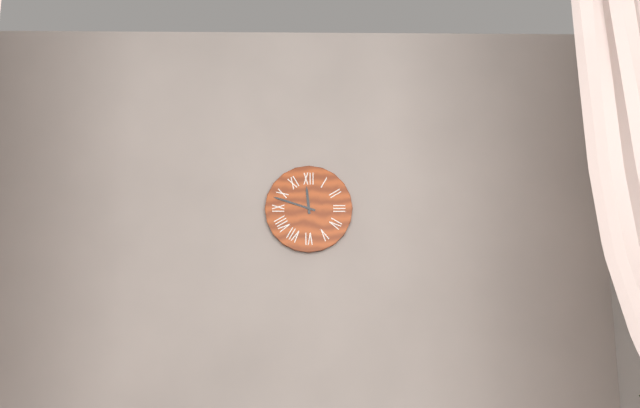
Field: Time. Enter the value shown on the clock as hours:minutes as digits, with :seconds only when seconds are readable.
11:48
